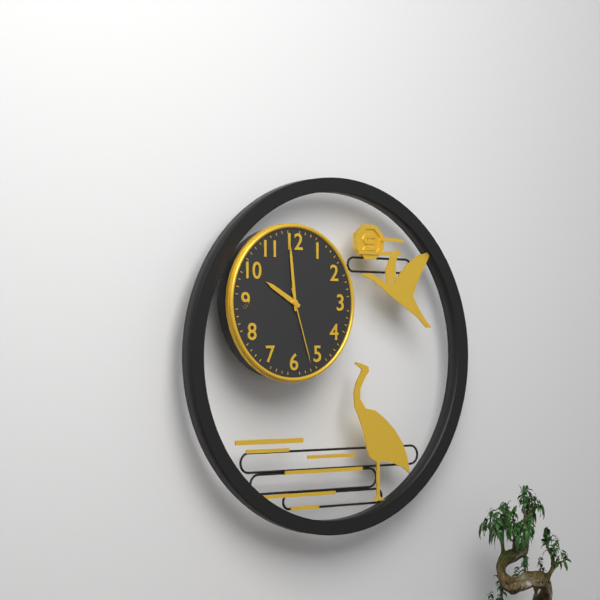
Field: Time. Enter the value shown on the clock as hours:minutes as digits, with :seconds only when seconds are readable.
9:59:27
